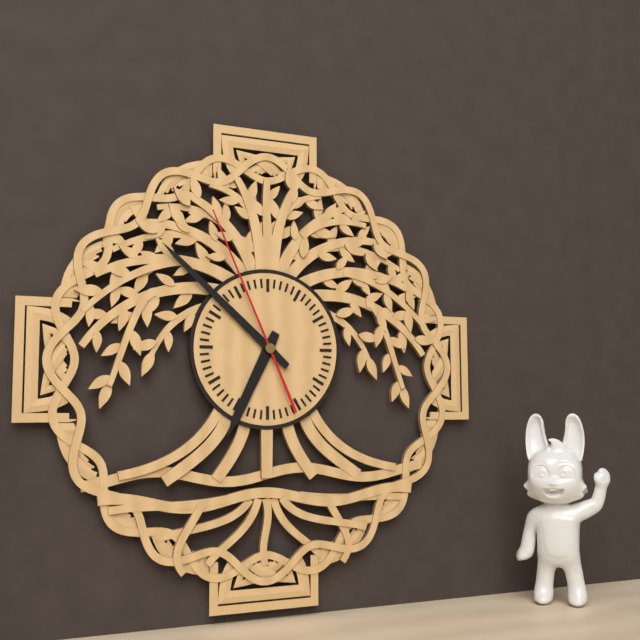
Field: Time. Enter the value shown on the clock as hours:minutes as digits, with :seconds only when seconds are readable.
6:52:56
